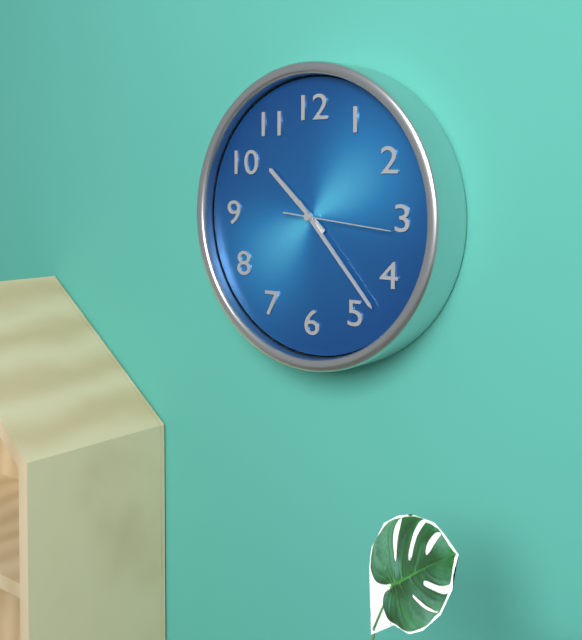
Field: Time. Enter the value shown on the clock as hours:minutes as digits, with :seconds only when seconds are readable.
10:23:16
